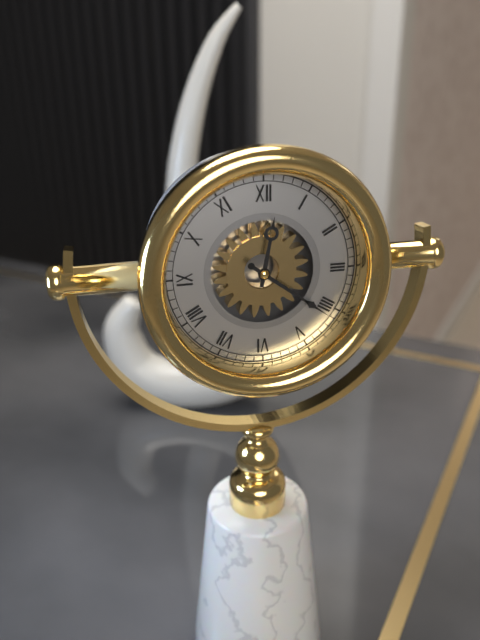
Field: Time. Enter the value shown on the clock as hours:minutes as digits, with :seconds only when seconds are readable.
12:21
